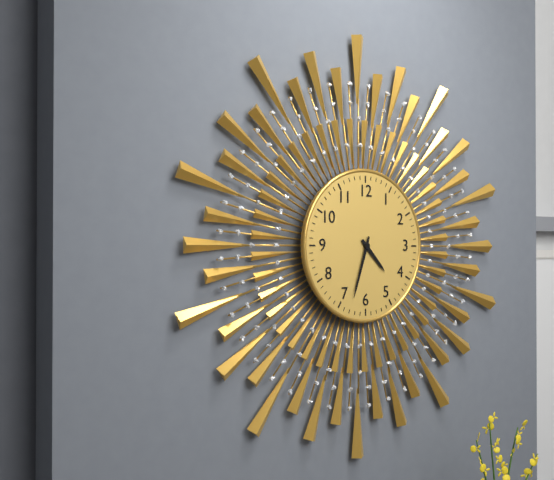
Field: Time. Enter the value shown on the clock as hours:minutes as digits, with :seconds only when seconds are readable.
4:33
